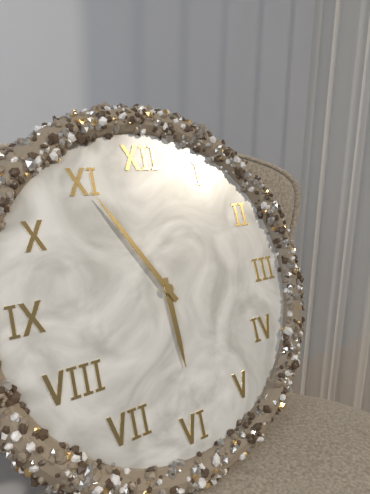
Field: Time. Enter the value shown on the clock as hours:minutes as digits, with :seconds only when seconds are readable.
5:55
